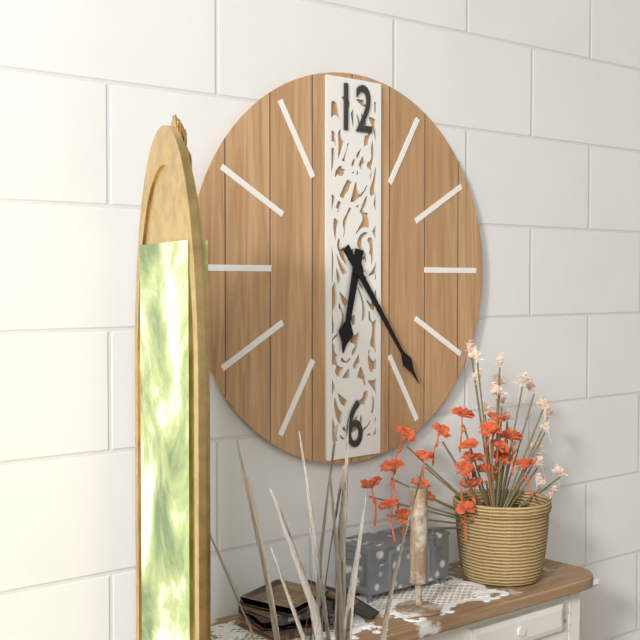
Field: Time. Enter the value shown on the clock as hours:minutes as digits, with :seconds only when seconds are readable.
6:24
